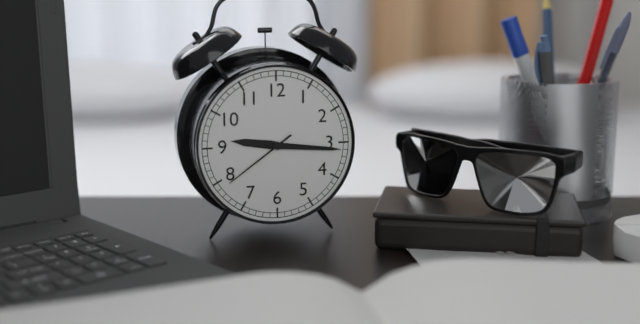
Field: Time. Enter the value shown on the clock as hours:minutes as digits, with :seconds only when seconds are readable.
9:16:39
